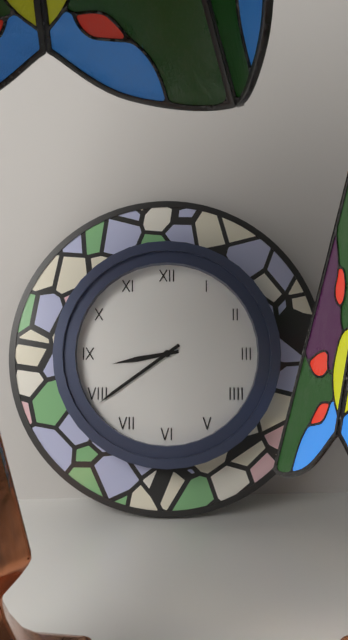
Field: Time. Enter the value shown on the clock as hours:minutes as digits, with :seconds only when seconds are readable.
8:39
